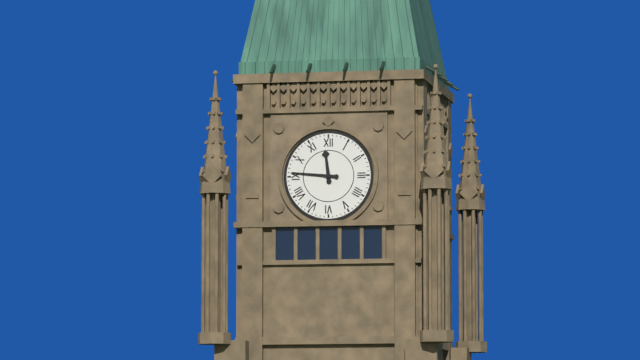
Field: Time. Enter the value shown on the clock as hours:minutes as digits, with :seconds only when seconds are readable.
11:46
